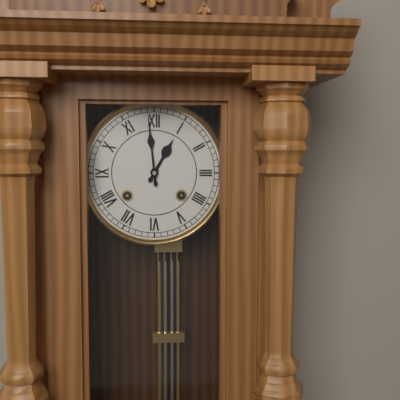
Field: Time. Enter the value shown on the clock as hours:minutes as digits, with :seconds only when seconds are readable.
12:59
